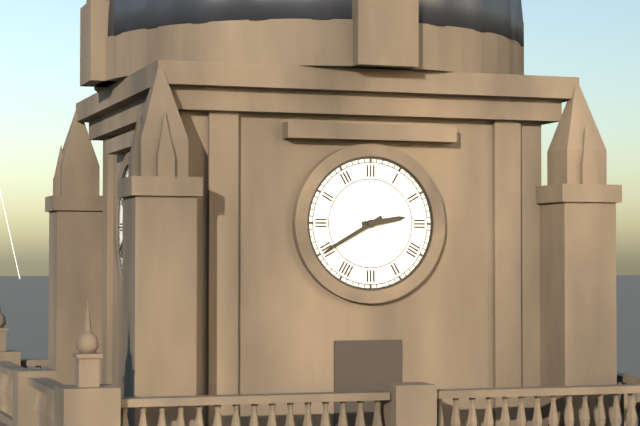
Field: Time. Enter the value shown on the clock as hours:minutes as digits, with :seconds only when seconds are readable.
2:40
